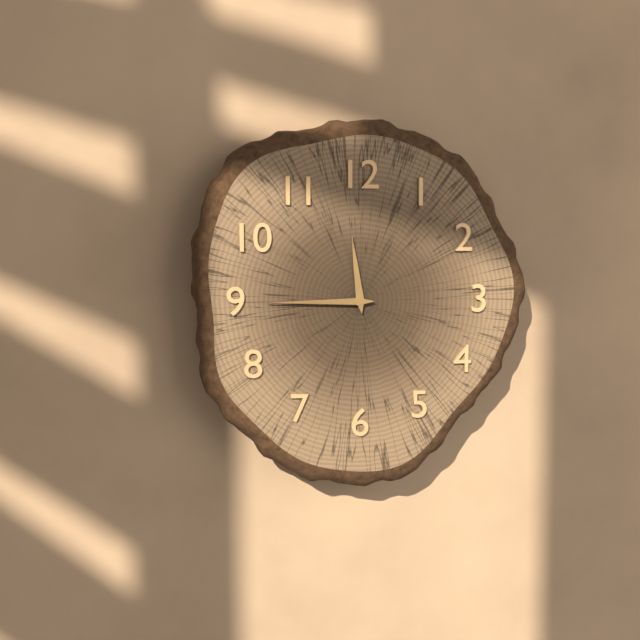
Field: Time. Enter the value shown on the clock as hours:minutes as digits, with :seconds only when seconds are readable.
11:45
